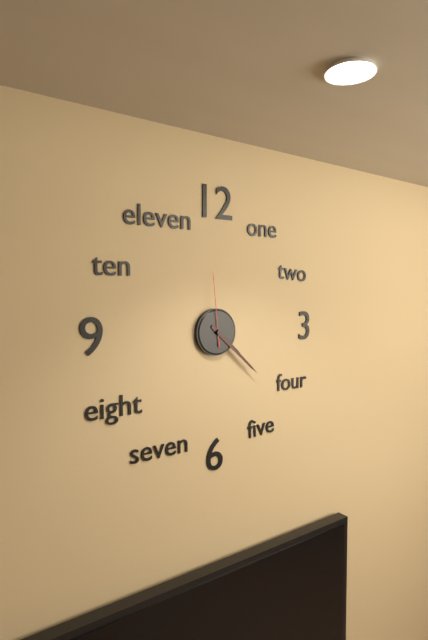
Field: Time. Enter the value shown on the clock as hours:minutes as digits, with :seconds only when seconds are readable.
4:22:59
